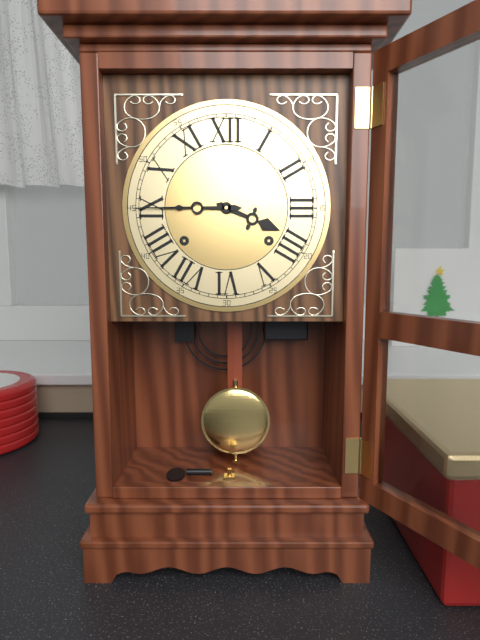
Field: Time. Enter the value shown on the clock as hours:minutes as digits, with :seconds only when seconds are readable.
3:45
